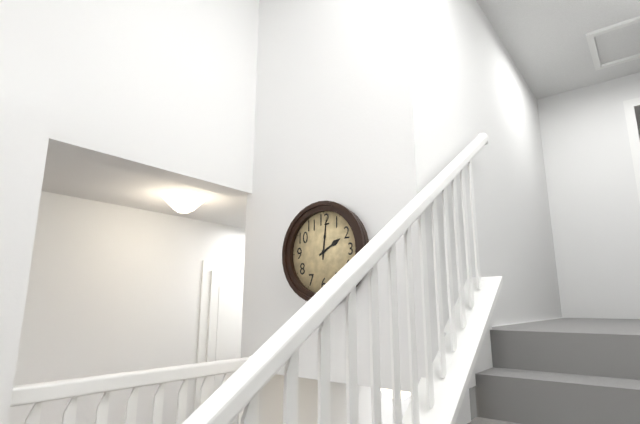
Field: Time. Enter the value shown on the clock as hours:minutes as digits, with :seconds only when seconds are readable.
2:01
